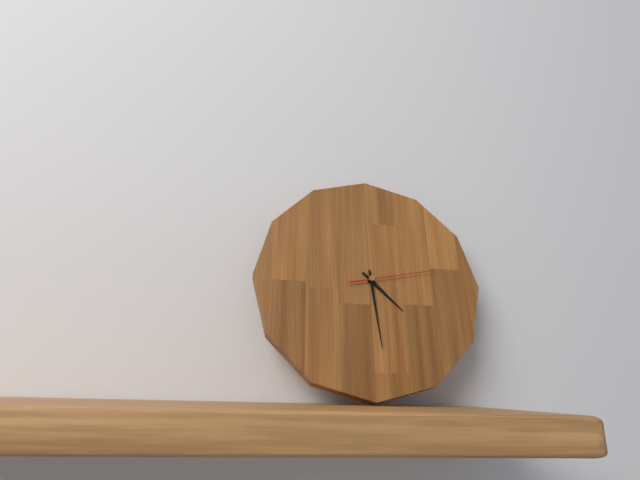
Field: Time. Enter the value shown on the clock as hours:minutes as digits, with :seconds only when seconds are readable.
4:29:13
